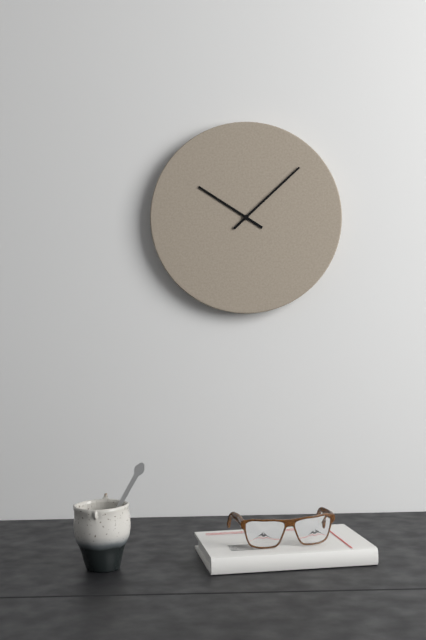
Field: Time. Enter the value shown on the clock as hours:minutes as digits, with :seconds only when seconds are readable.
10:08
